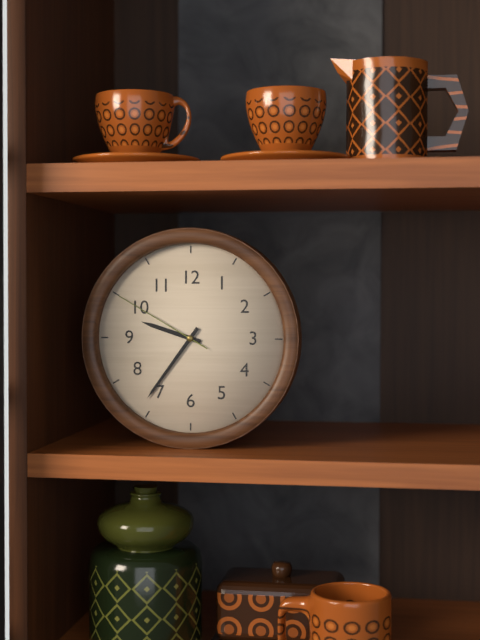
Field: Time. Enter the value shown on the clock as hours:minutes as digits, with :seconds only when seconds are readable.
9:36:50
